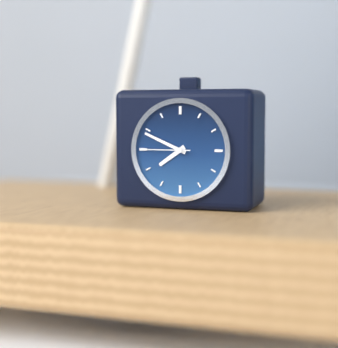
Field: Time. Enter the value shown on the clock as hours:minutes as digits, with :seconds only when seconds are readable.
7:49:45
